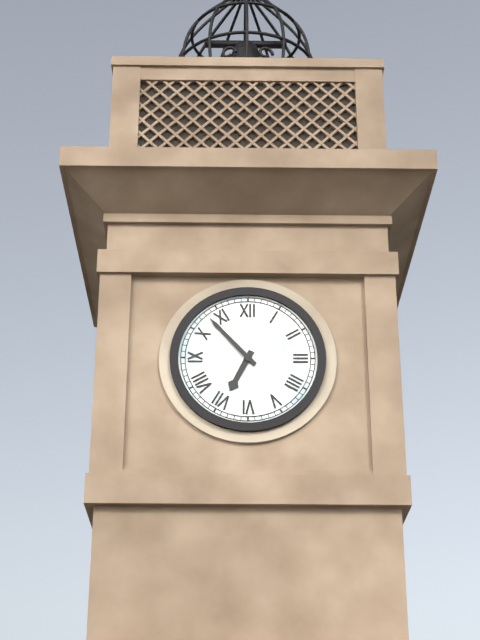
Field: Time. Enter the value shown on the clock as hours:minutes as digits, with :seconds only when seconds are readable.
6:53
